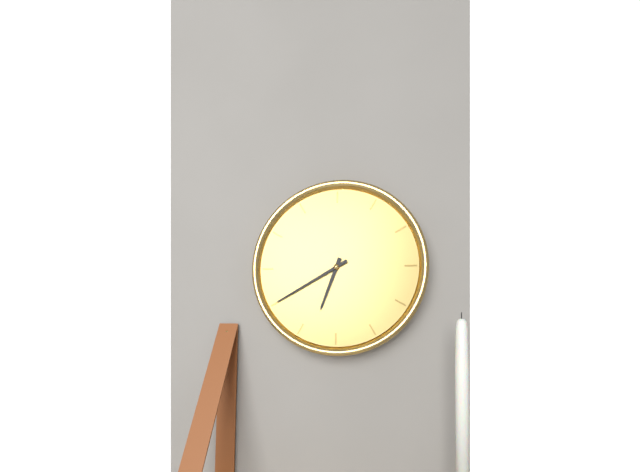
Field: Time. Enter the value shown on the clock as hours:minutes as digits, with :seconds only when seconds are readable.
6:40
